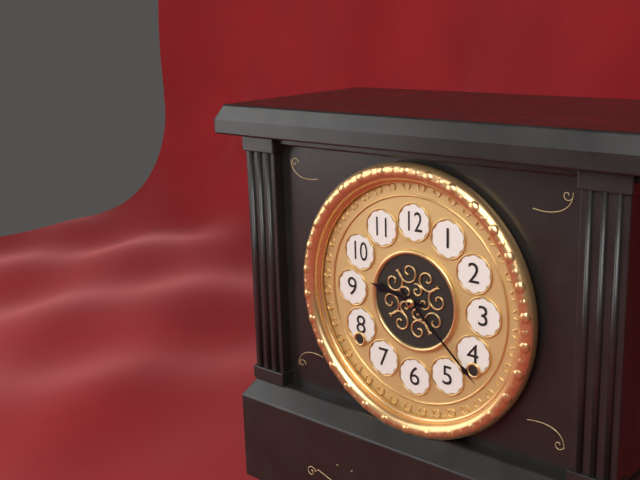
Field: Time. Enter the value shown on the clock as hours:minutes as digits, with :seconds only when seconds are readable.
9:22
